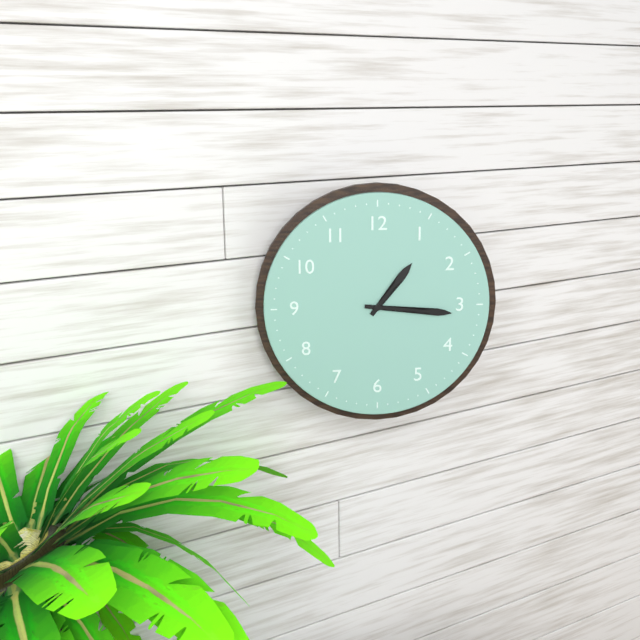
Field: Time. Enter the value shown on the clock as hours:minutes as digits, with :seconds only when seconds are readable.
1:16
